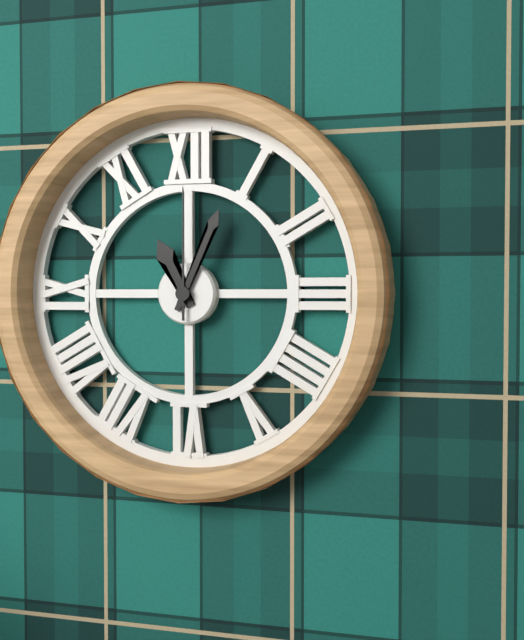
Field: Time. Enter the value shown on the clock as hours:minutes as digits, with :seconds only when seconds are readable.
11:04:00
